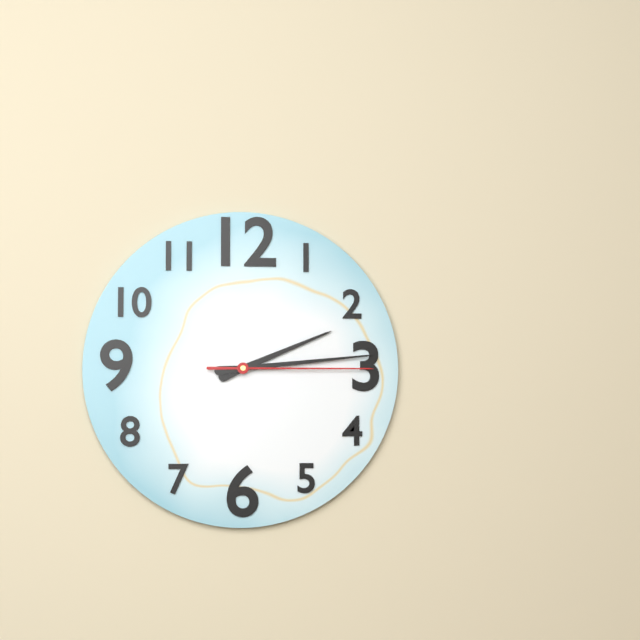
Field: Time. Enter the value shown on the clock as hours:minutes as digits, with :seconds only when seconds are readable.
2:14:15
